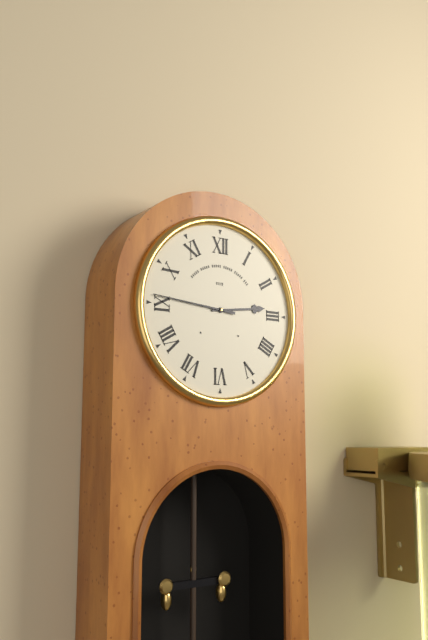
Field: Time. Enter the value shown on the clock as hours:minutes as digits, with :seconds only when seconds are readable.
2:46
